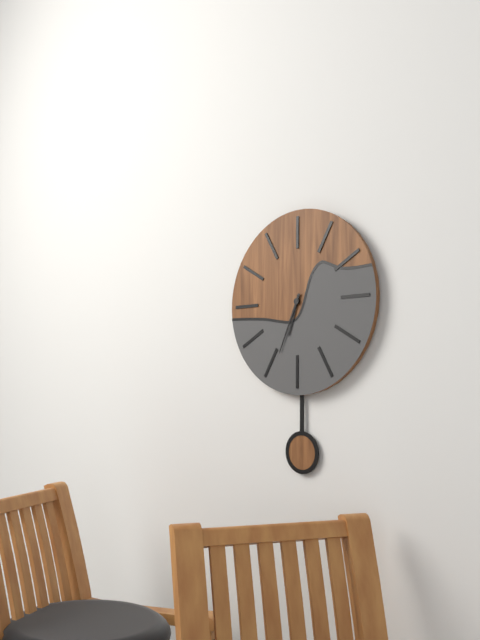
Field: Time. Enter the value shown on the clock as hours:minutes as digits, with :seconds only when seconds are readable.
6:34
